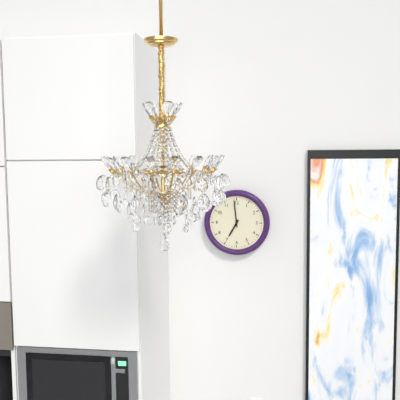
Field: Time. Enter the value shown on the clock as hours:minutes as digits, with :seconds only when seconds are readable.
6:59
